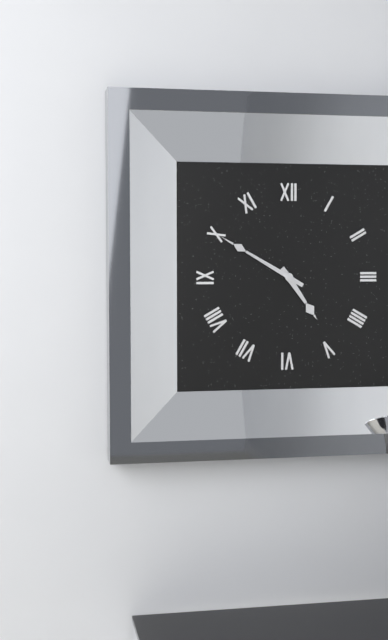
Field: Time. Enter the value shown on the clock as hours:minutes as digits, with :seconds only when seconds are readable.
4:50
